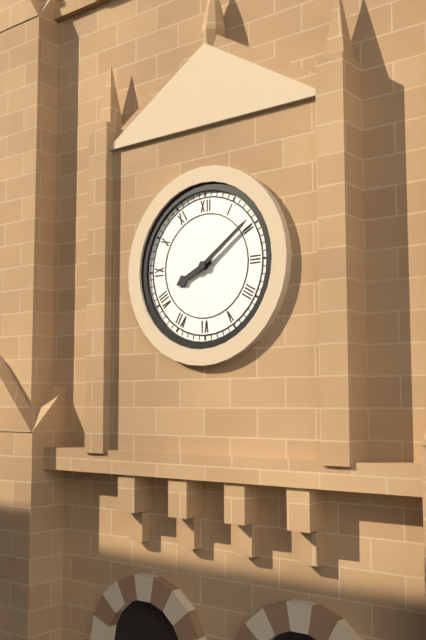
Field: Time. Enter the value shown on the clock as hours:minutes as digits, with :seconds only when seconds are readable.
8:09
